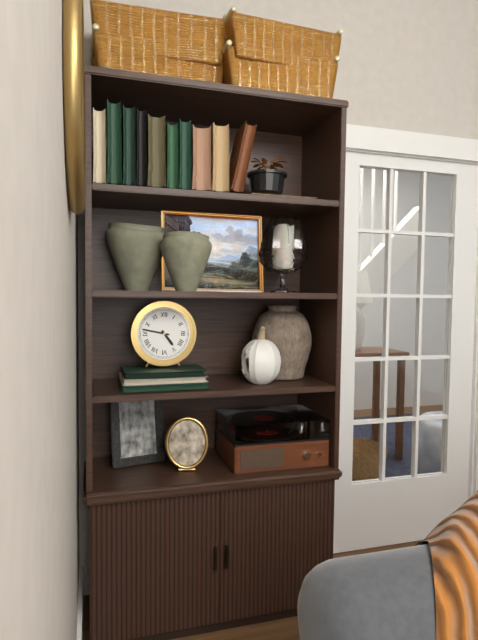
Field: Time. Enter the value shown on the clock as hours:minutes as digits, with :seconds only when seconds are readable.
4:47
